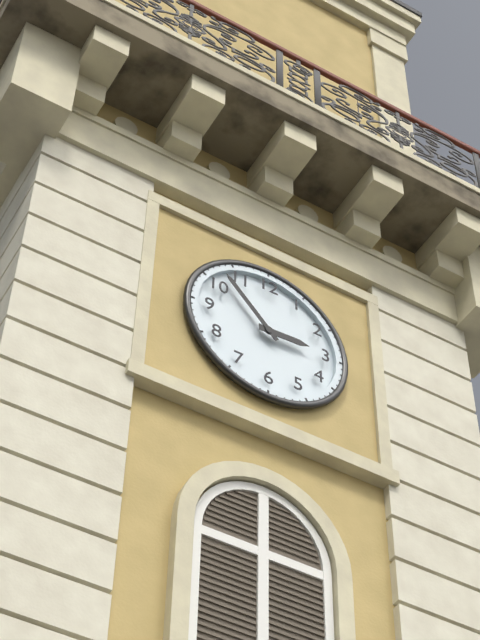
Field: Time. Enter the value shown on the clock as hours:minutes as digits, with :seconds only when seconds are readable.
2:53
